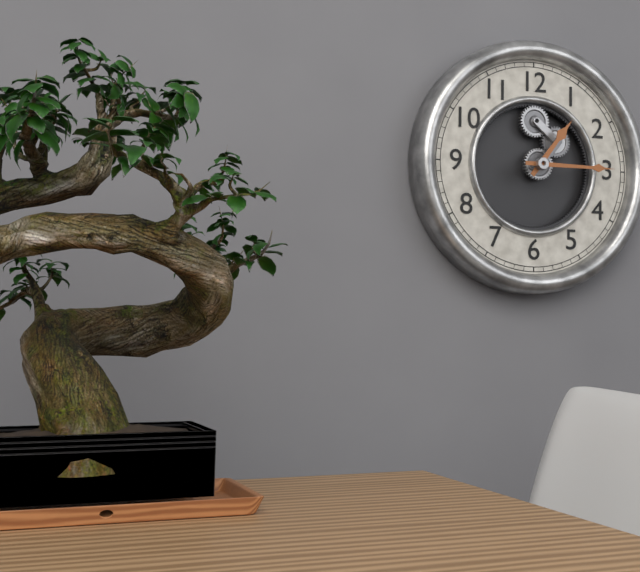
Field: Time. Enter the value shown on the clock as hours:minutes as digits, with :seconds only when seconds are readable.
1:15
